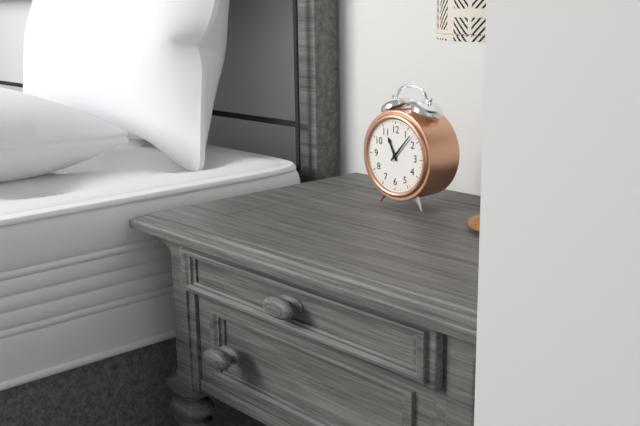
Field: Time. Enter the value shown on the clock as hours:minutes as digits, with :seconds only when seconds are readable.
11:07
